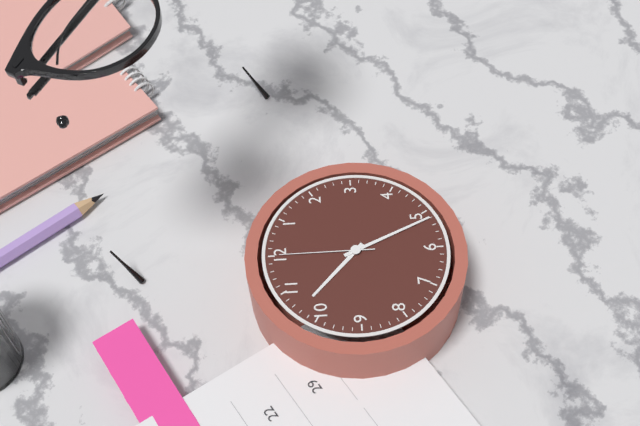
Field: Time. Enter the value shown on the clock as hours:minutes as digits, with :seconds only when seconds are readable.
10:26:00
